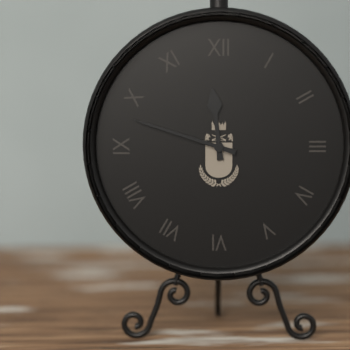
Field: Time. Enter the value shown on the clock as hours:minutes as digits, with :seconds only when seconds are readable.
11:48
